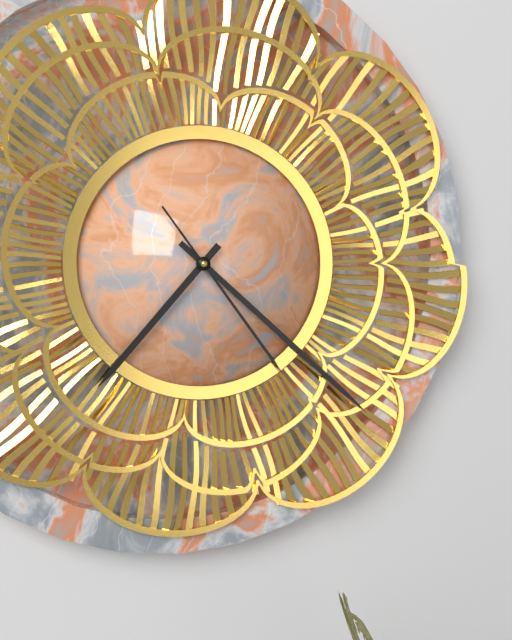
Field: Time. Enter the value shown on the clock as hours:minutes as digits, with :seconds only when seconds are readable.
7:22:24
